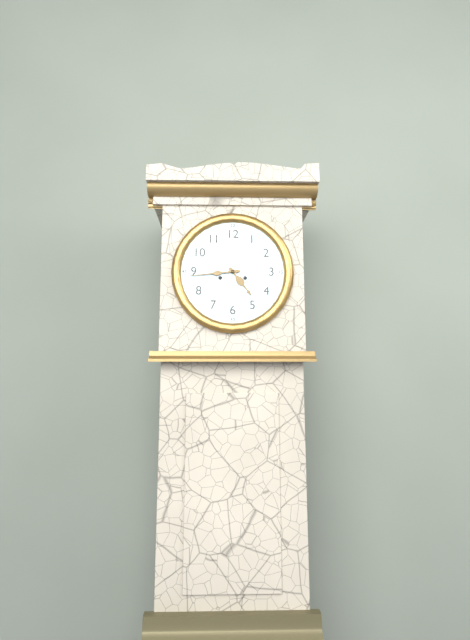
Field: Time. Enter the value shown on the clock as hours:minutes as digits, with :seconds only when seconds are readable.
4:44
